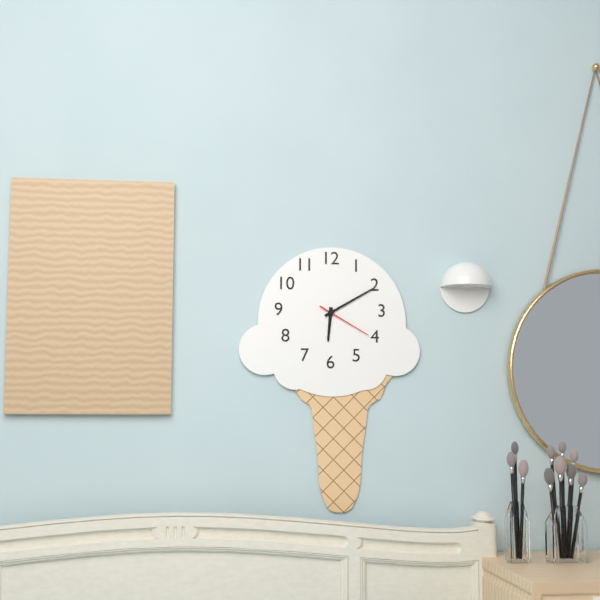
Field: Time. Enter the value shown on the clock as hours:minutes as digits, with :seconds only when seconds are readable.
6:10:20
